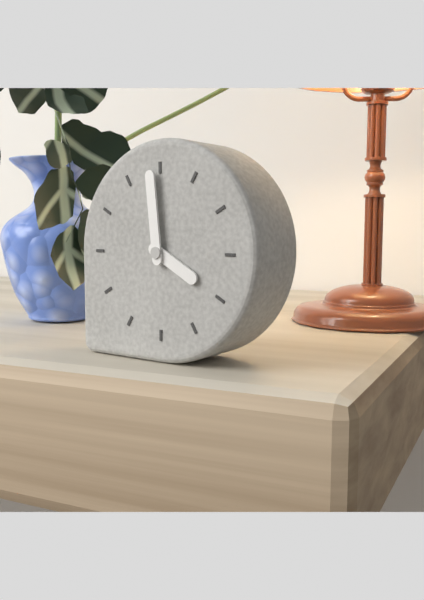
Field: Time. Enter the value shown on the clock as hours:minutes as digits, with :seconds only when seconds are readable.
3:59
